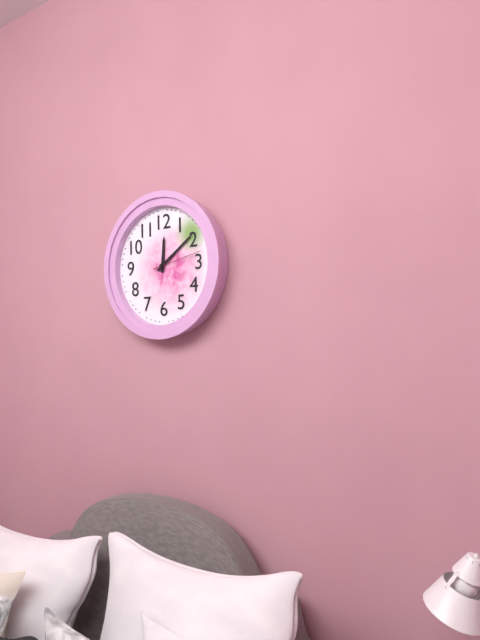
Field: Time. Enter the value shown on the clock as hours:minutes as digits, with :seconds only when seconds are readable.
12:09:13
